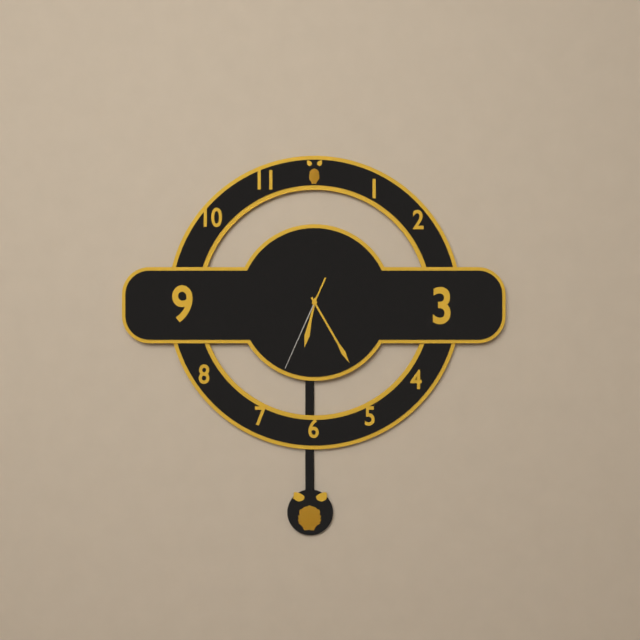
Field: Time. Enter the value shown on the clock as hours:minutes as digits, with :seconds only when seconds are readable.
6:25:34
